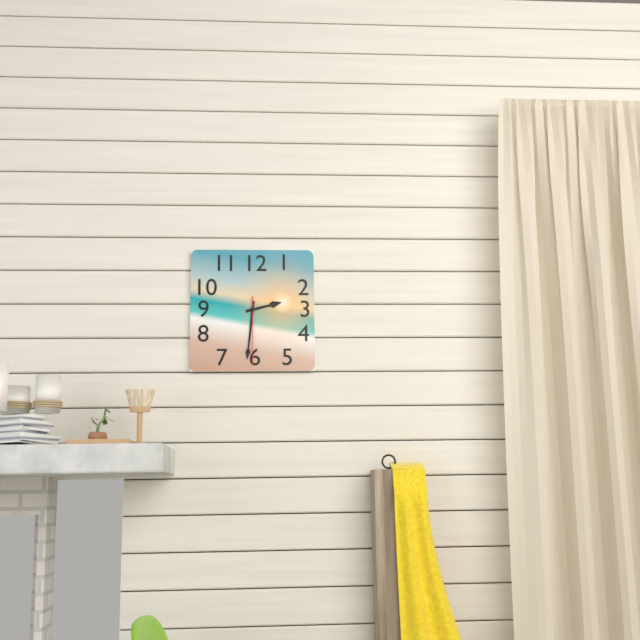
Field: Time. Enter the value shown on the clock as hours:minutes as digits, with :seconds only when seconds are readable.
2:31:30
